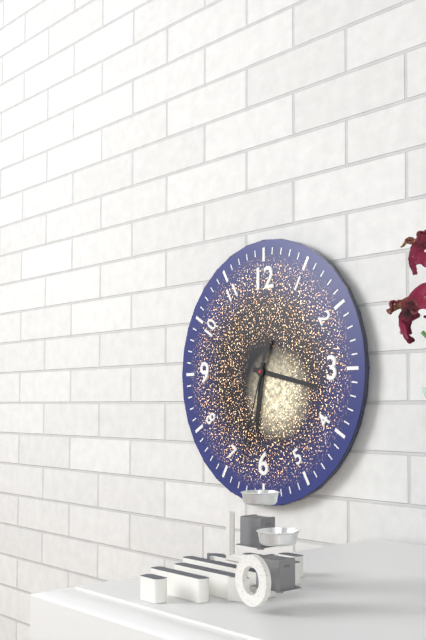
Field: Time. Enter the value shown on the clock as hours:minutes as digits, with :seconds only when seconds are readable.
6:17:33
